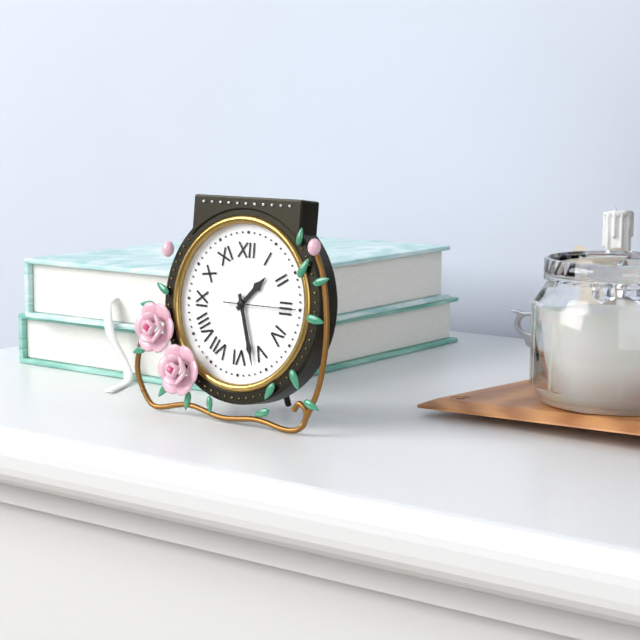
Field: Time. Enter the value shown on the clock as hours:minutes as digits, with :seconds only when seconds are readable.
1:27:15
